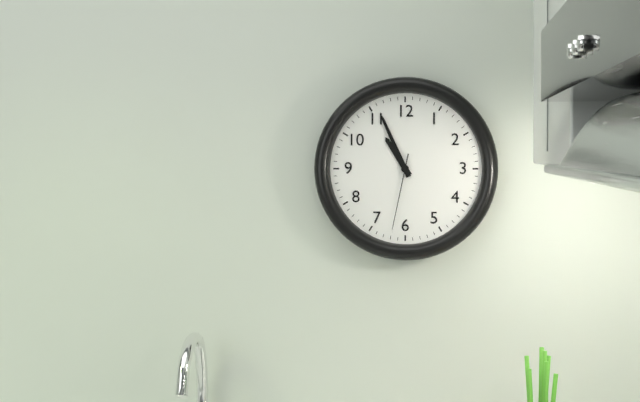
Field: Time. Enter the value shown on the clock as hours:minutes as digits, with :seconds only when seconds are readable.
10:56:32
